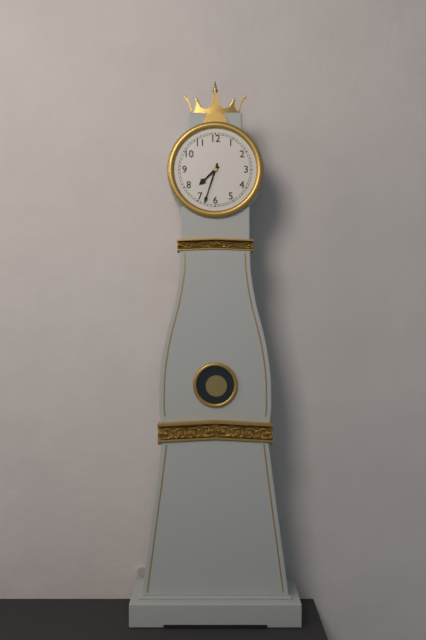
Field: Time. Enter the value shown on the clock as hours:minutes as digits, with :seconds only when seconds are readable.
7:33
